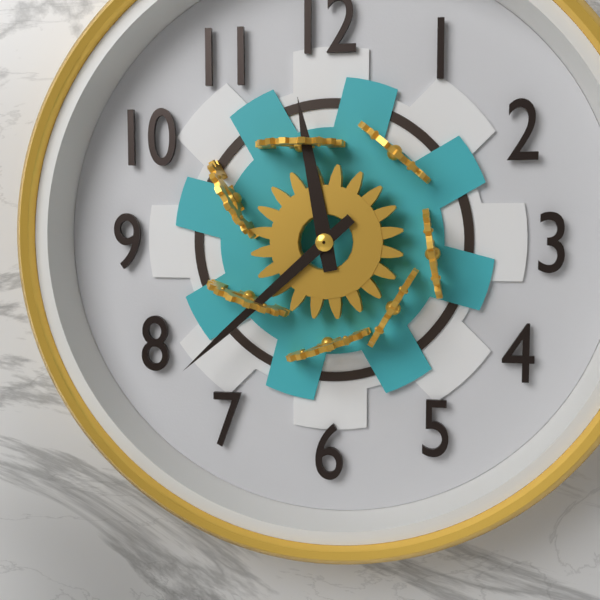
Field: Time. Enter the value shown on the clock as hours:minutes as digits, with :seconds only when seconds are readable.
11:38
